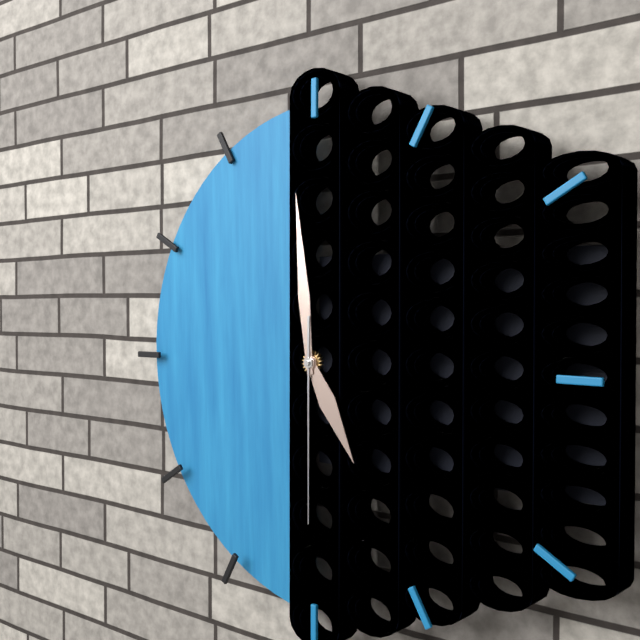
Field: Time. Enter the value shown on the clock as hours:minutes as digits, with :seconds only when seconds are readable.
4:59:30
